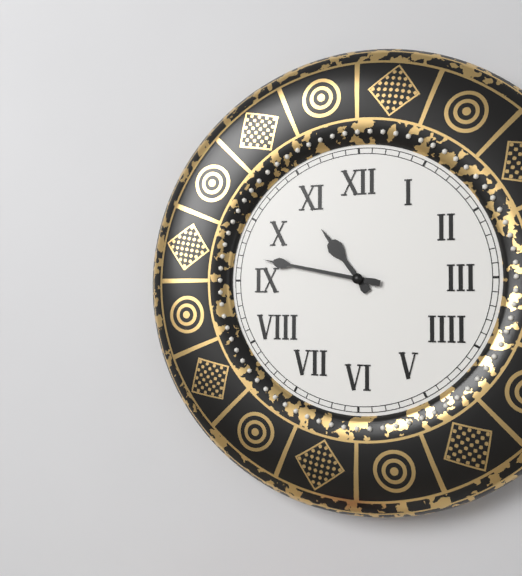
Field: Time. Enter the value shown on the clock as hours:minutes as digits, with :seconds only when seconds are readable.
10:47
